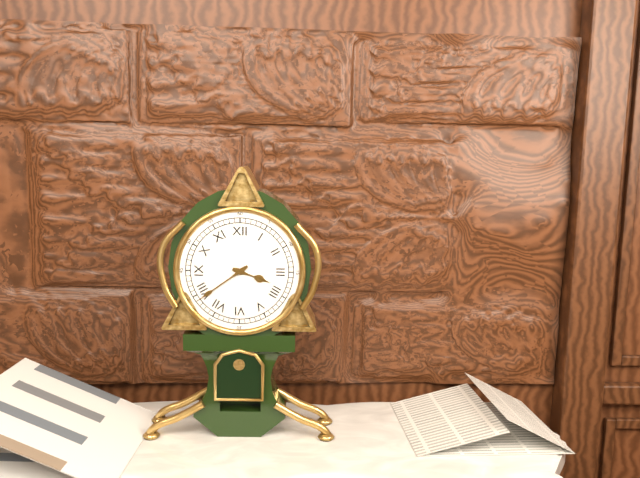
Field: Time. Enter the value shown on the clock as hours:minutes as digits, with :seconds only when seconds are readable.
3:39
